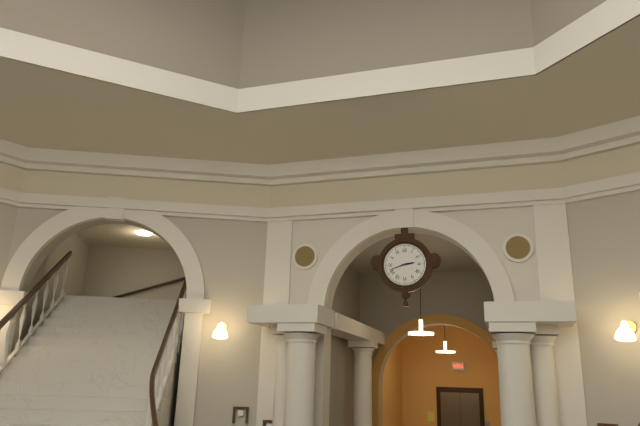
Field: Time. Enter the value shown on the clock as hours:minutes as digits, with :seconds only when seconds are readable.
2:42
